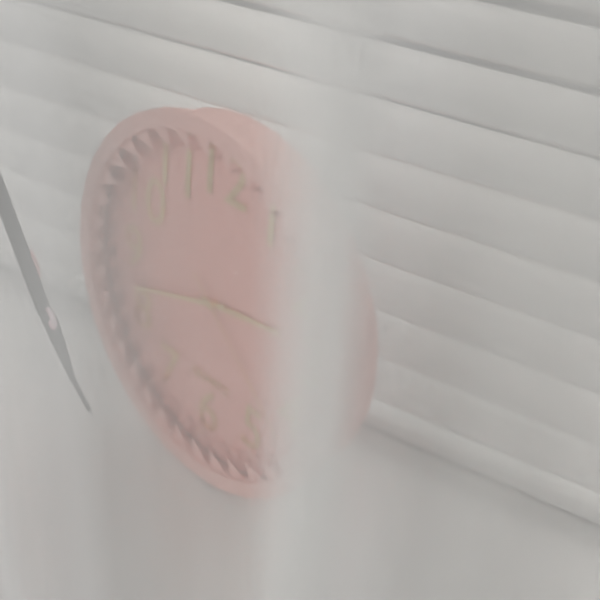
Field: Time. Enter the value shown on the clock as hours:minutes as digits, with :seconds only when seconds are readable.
2:42:22
